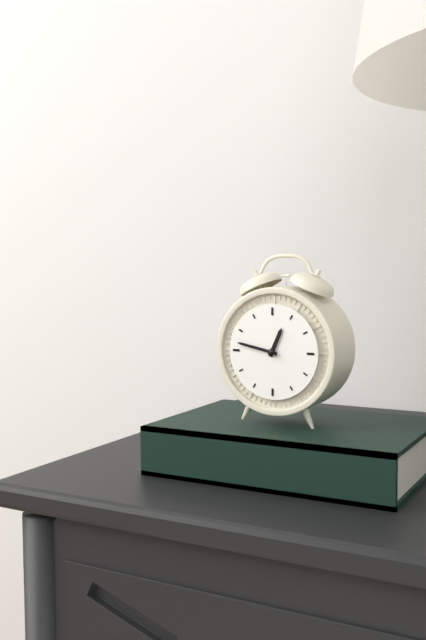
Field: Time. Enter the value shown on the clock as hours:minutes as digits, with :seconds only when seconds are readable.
12:47
